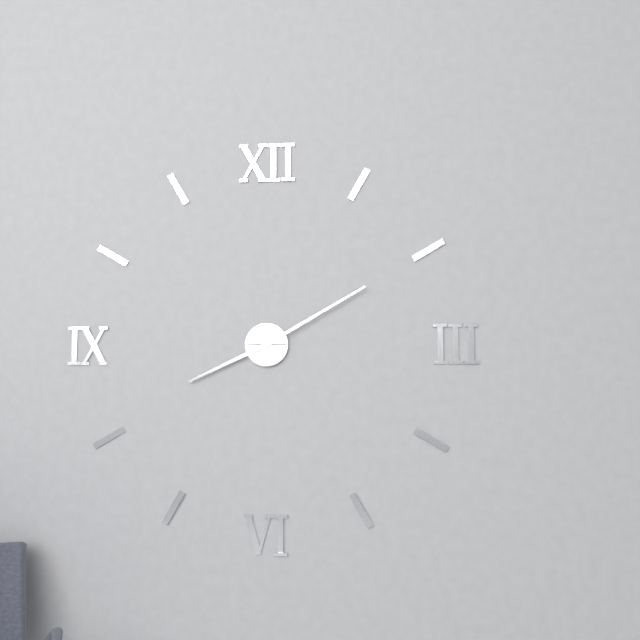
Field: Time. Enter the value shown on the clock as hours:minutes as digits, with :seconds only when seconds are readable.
8:10
